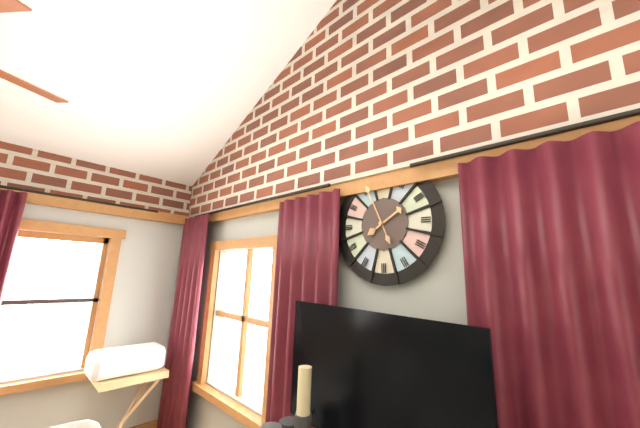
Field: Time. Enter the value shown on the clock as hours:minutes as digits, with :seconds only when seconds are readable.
1:56
